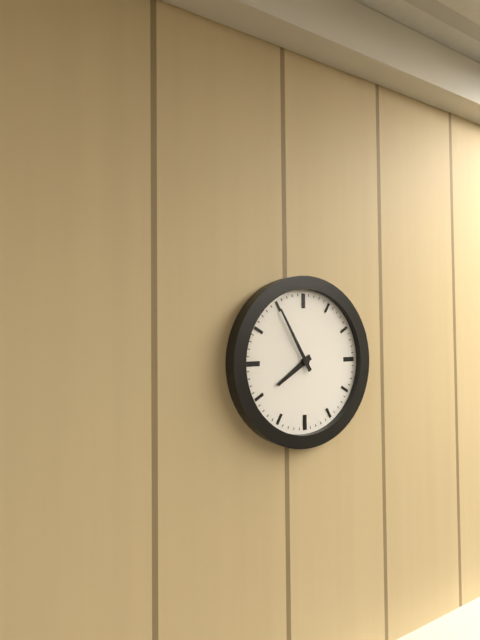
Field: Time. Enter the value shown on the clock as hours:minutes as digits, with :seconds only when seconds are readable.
7:55
